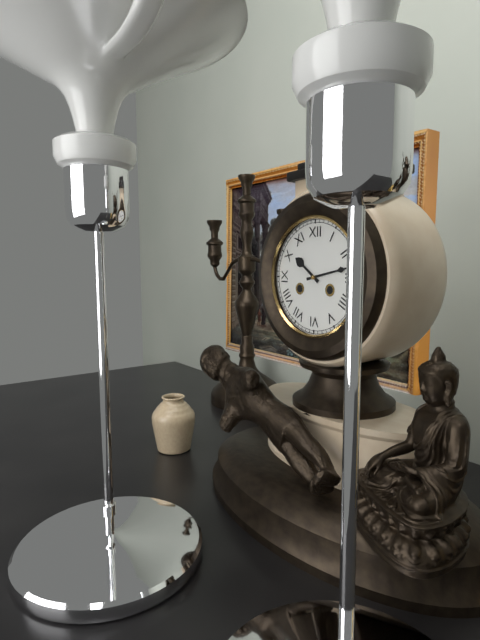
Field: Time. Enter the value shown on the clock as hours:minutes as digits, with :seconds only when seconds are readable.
10:13
